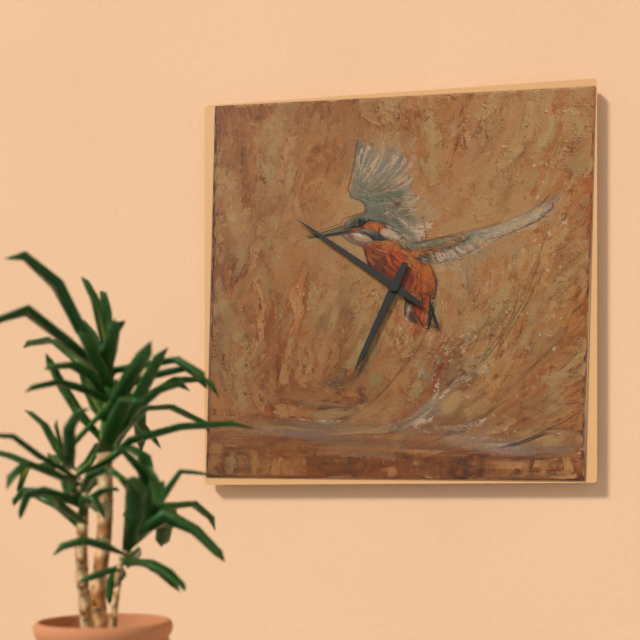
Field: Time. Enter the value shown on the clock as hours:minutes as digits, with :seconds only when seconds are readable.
6:51
